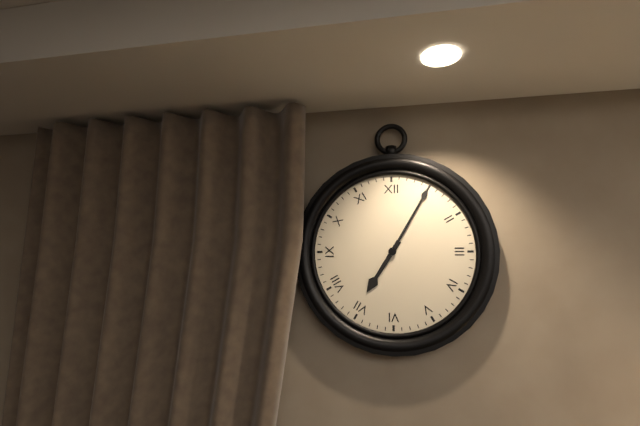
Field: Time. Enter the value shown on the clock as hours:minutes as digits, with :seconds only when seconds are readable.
7:05
